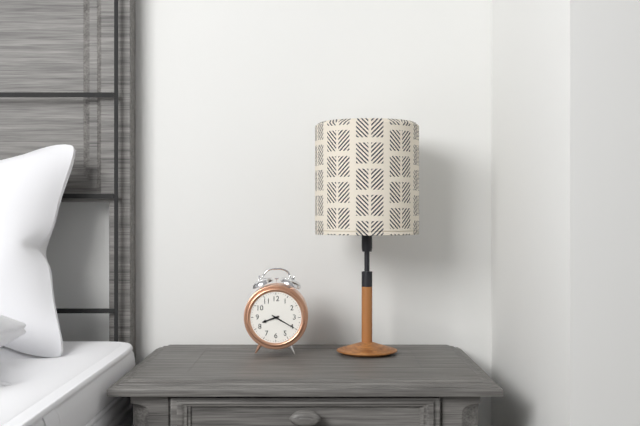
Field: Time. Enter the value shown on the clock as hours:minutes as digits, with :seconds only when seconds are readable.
8:20
